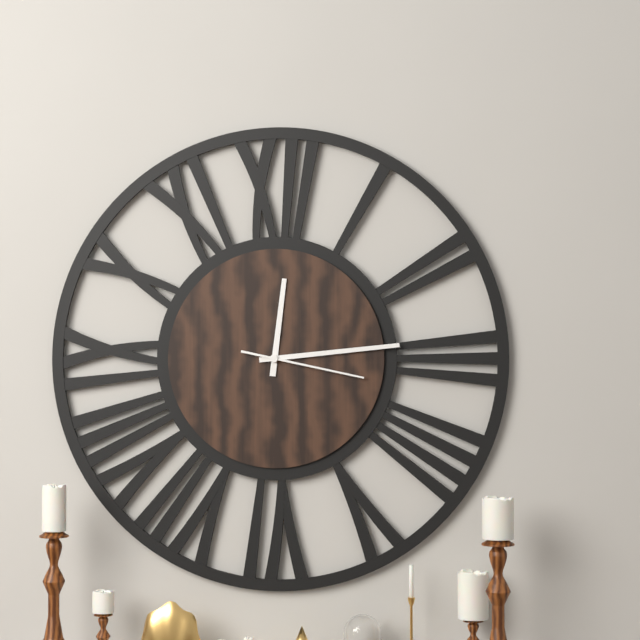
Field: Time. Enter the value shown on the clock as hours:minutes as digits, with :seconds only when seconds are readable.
12:14:17
